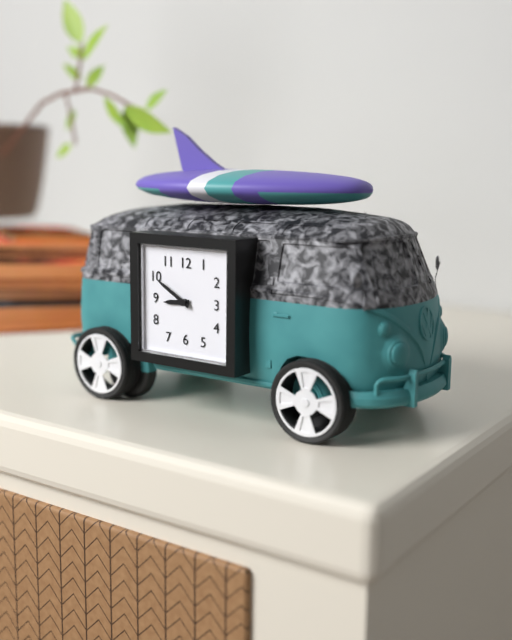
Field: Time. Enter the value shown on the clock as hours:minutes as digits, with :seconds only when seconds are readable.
8:50
